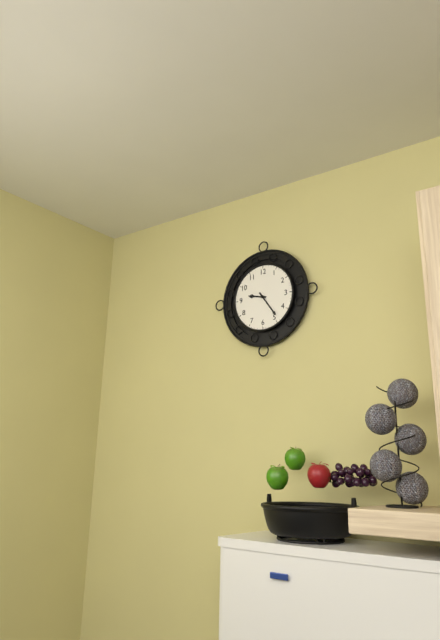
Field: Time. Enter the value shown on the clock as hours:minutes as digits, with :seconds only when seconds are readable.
9:24
